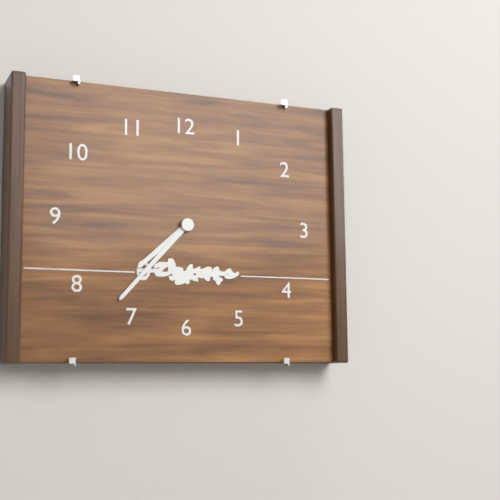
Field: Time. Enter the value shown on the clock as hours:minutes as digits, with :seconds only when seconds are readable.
7:37
